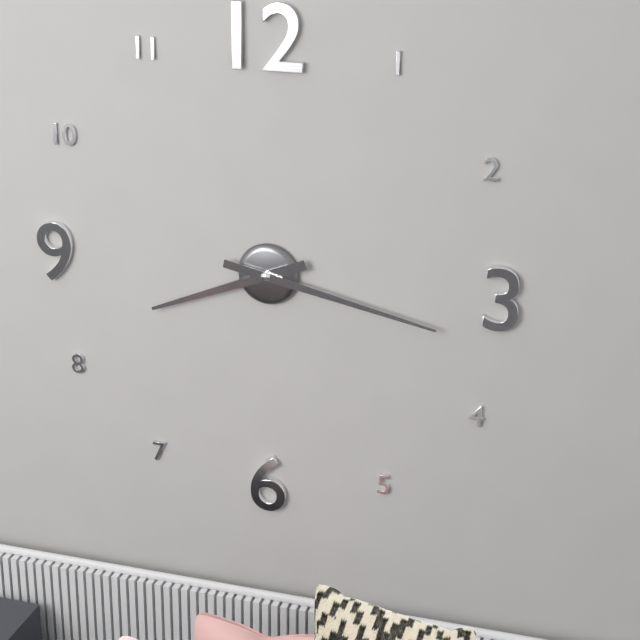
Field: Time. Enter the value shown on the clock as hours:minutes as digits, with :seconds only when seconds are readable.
8:17
